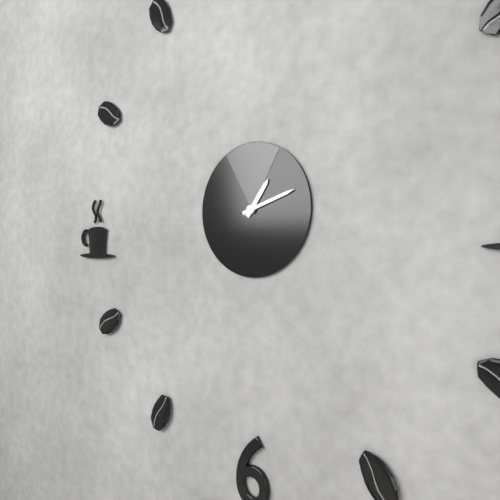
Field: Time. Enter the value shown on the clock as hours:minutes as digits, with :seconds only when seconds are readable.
1:12
